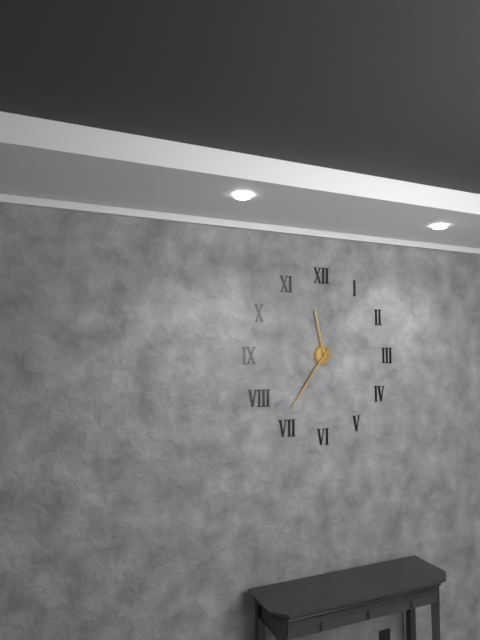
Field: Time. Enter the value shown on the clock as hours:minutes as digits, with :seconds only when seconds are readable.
11:36
